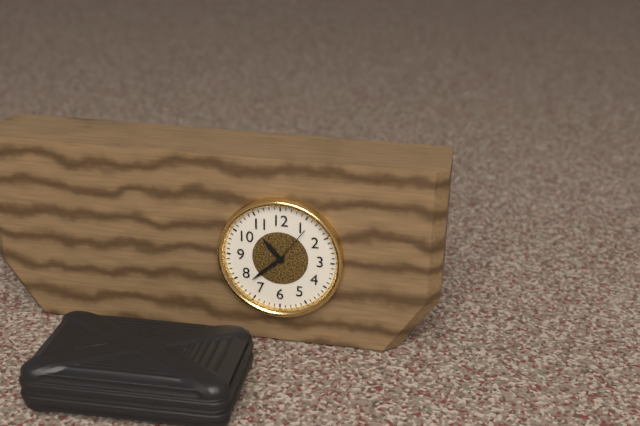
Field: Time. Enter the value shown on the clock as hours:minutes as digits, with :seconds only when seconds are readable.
10:38
